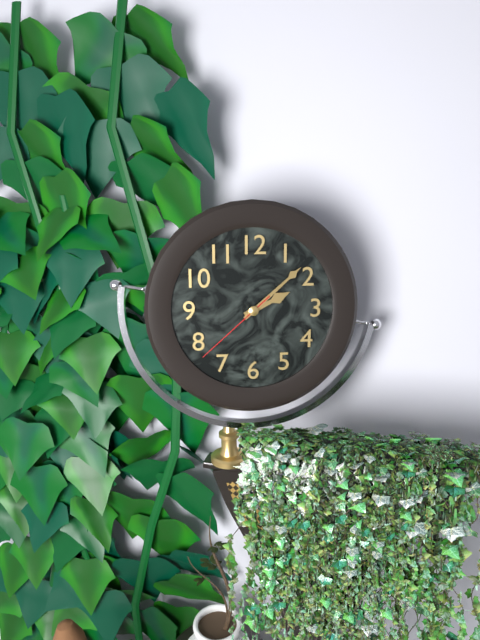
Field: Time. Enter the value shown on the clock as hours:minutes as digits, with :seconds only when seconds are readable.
2:08:38
